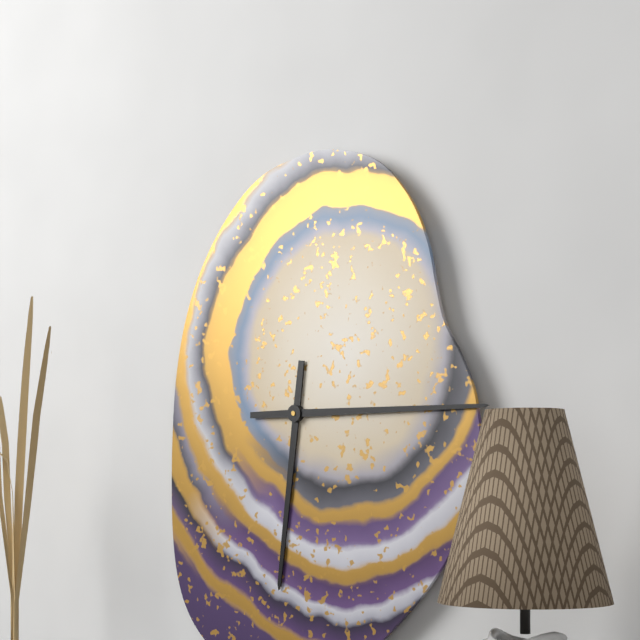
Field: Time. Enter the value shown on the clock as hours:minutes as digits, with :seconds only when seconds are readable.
6:15
